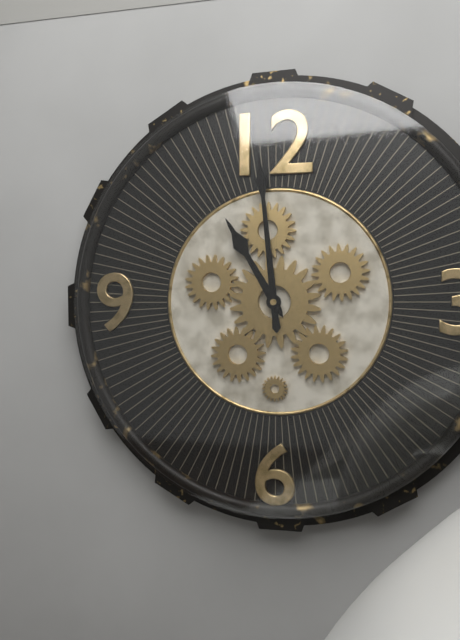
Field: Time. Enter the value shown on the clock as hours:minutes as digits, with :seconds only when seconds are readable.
10:59
